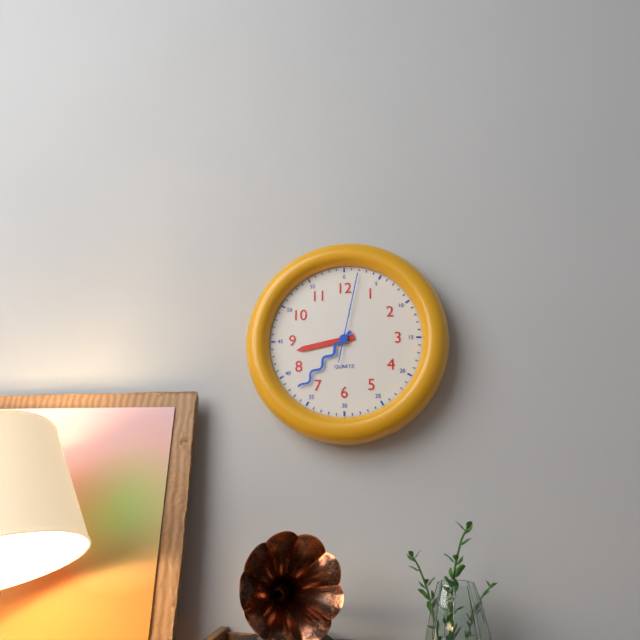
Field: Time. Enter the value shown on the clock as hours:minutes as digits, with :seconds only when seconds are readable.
8:37:02
